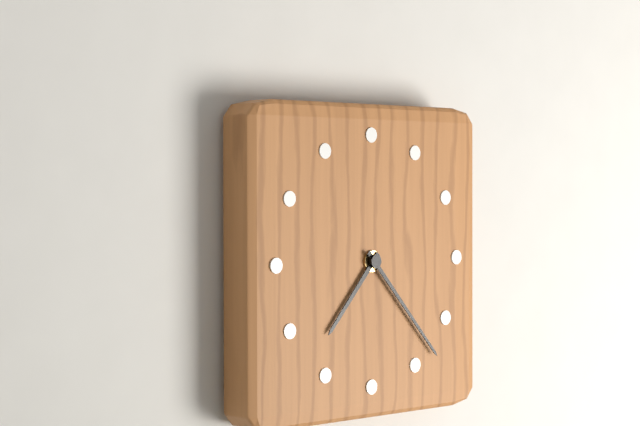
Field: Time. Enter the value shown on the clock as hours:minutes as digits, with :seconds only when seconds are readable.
7:23
